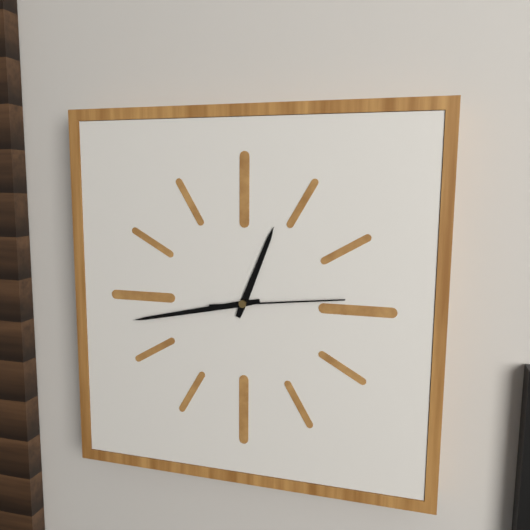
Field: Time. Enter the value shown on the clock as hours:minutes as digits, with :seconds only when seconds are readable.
12:43:14
